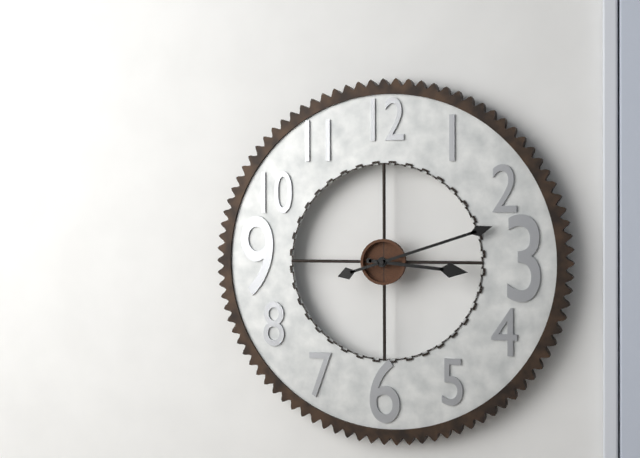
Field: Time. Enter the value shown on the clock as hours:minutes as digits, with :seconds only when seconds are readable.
3:12
